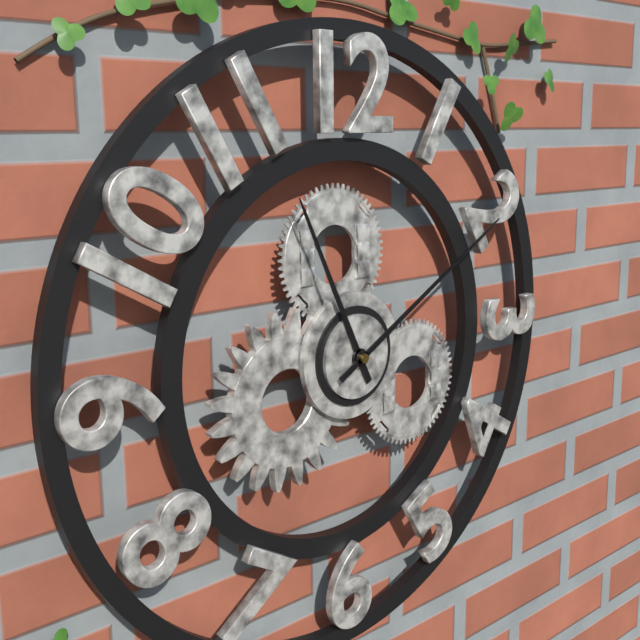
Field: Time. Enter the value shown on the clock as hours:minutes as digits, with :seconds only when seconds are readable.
11:10
